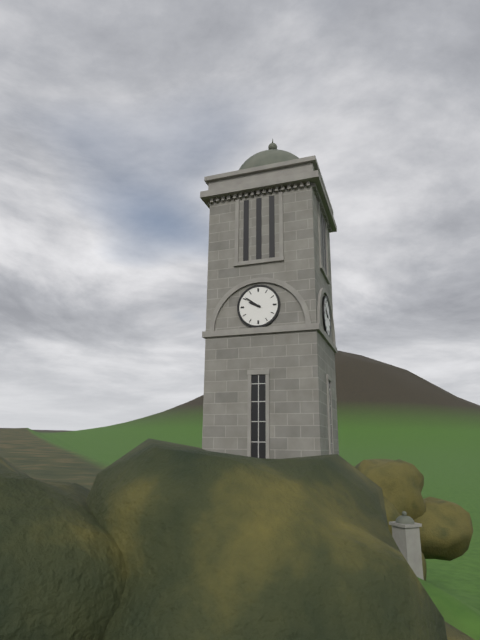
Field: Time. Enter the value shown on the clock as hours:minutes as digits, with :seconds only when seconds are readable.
9:51
